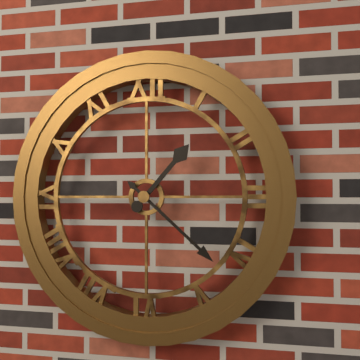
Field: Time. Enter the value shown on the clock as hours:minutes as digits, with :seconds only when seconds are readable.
1:22
